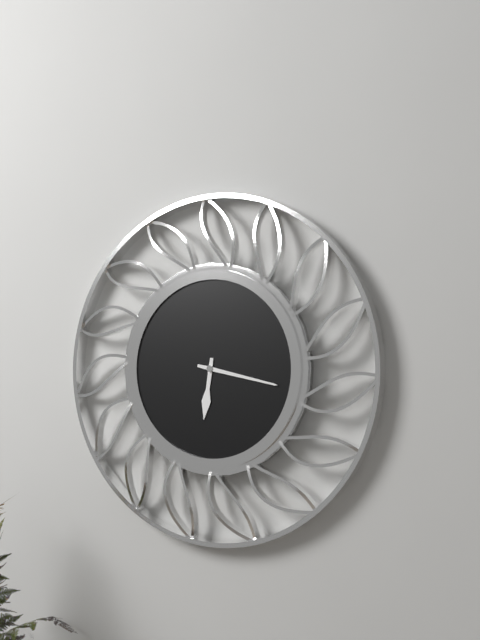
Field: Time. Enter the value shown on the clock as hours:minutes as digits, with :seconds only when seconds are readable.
6:17
